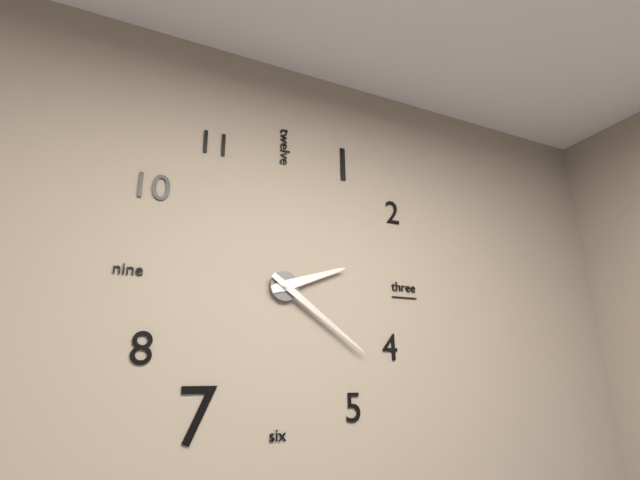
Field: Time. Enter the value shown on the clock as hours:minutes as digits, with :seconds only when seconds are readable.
2:21
